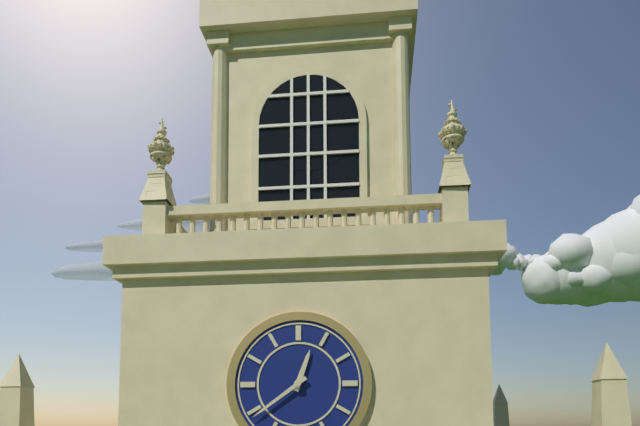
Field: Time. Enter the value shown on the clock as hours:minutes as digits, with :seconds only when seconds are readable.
12:39
